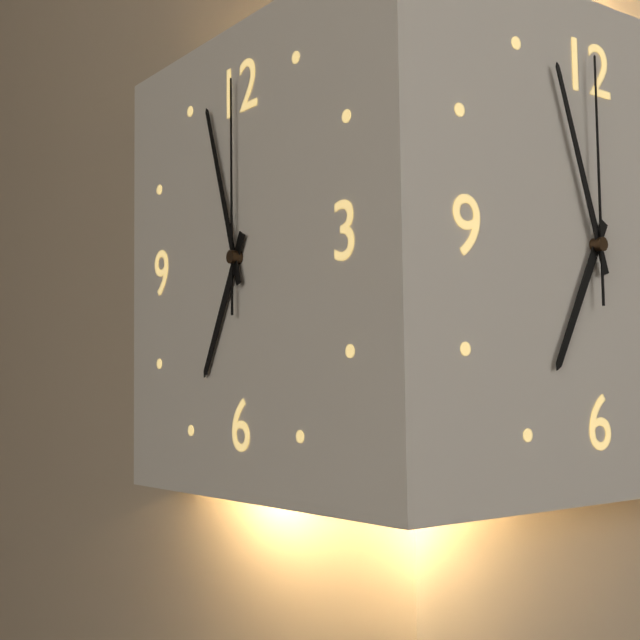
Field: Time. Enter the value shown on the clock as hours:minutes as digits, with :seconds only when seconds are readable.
6:57:00
